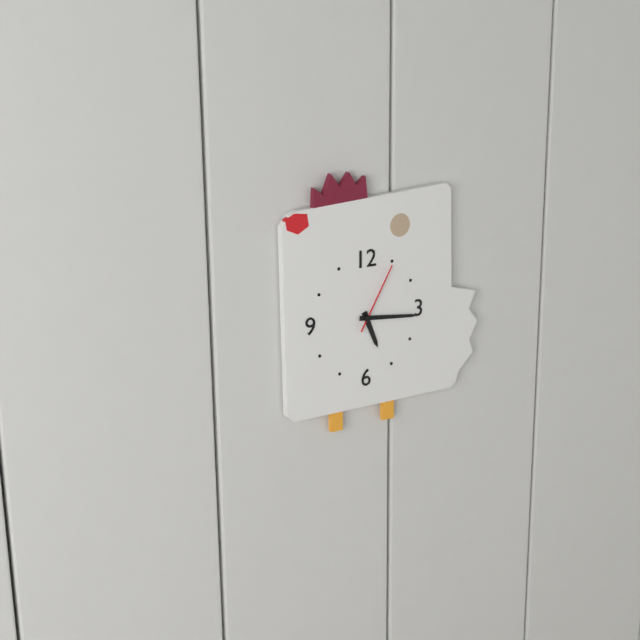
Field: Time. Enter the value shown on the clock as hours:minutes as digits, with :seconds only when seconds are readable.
5:16:05
